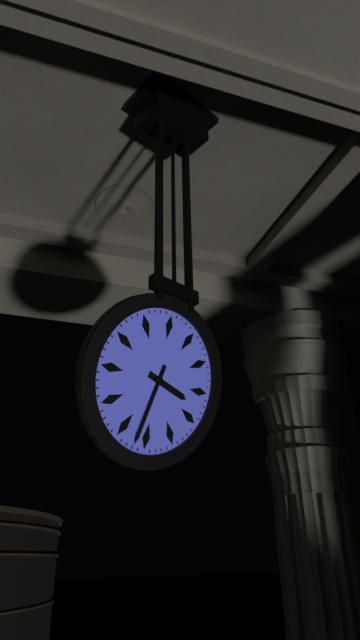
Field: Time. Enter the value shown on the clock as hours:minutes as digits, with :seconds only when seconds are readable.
3:32
